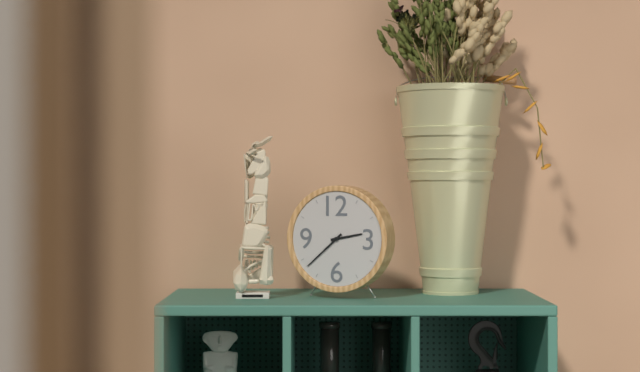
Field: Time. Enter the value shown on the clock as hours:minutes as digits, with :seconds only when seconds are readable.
2:38
